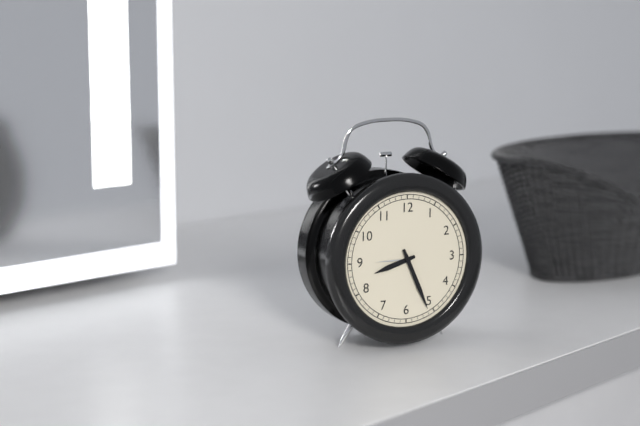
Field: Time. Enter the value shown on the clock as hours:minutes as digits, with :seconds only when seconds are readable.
8:26
